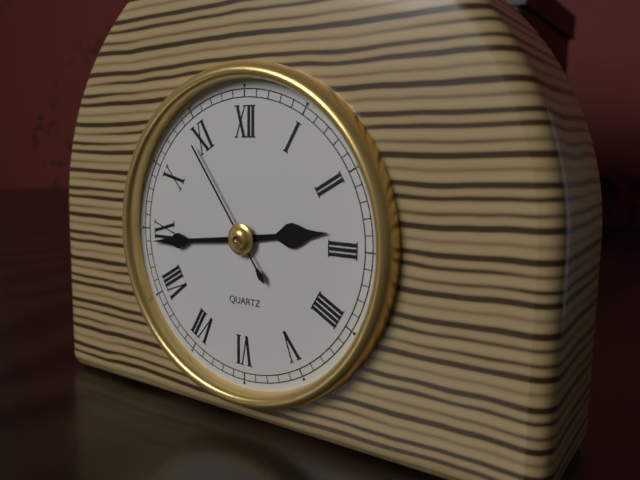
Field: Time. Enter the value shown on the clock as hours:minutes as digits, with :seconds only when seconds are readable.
2:44:54
